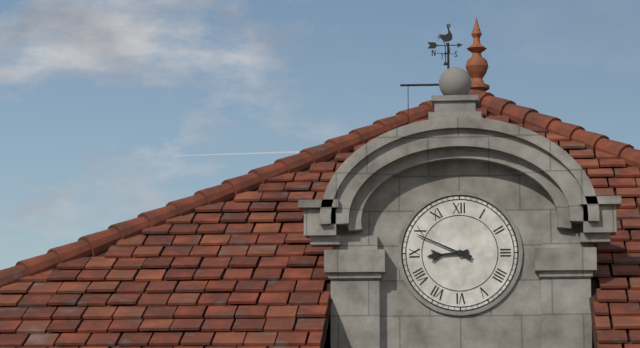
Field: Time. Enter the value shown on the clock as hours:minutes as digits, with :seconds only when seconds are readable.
8:49
